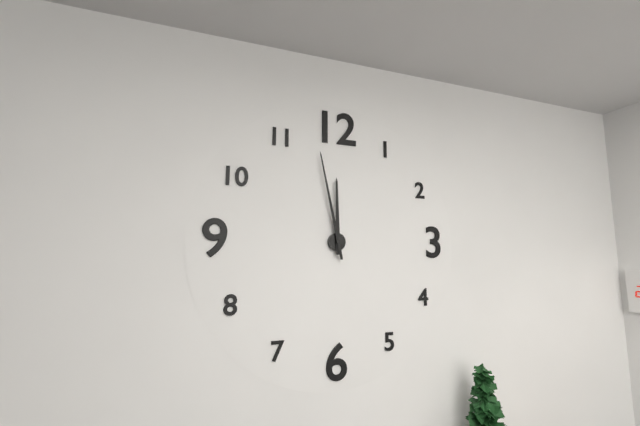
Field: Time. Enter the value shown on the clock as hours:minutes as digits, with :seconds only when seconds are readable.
11:58
